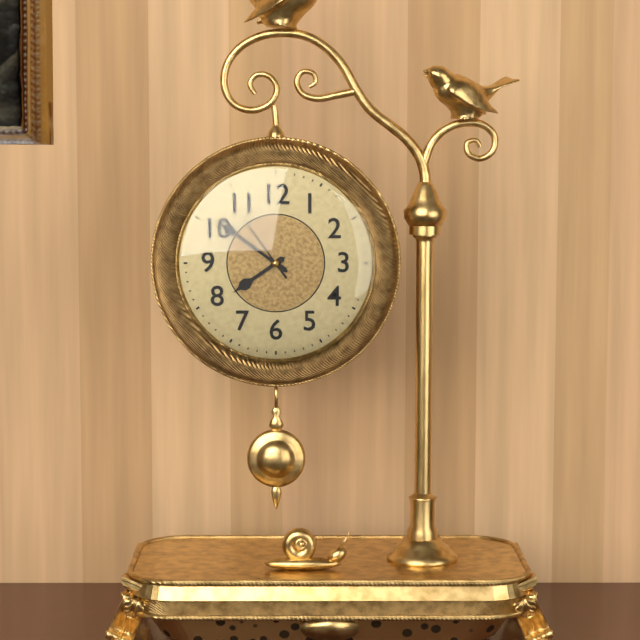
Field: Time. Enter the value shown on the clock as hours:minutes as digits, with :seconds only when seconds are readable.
7:51:54
